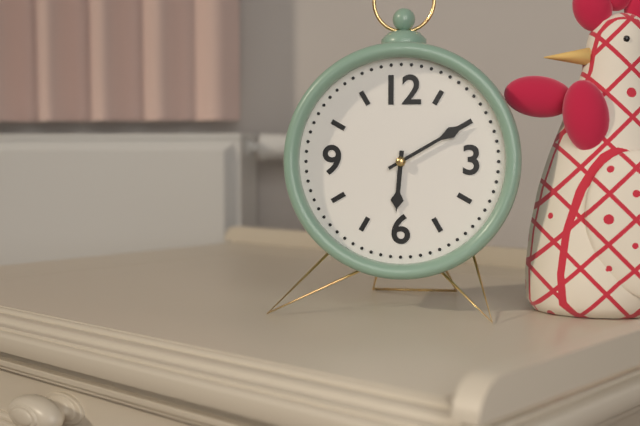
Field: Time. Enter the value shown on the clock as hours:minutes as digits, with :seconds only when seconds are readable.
6:10
